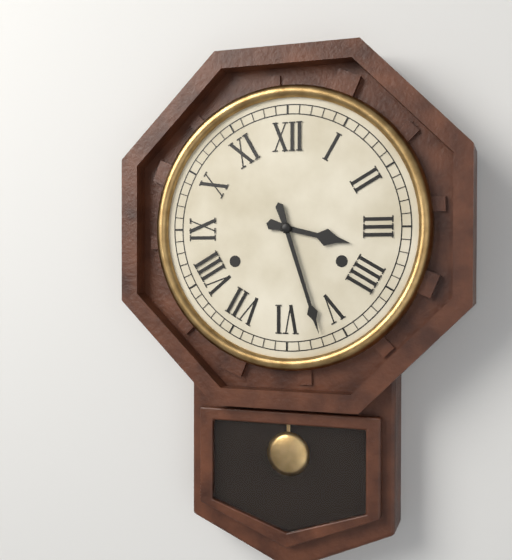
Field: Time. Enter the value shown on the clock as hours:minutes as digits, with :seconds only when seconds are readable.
3:27
